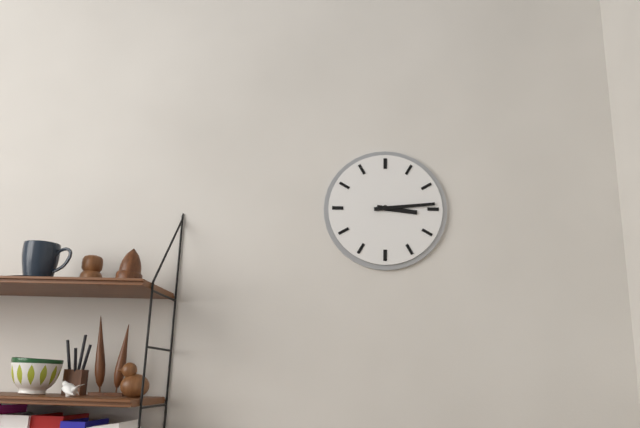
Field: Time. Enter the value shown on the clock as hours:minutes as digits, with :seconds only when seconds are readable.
3:14
